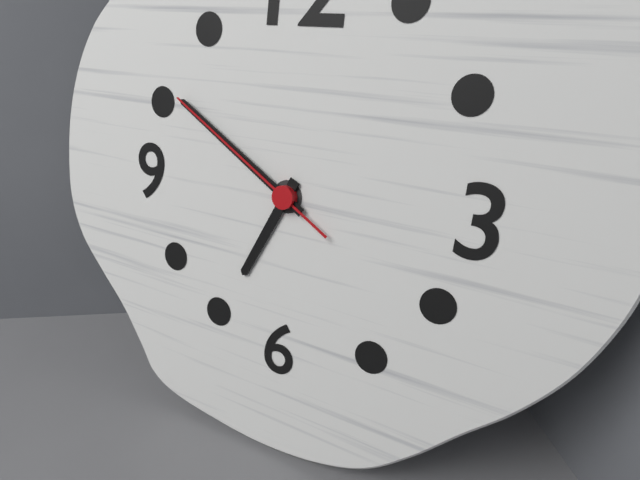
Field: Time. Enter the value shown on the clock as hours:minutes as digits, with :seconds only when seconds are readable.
6:50:50
